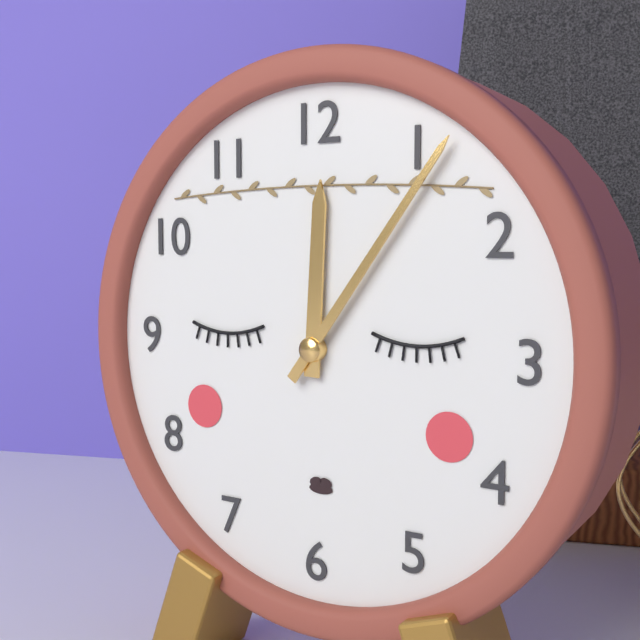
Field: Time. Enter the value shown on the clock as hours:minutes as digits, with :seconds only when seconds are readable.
12:06
